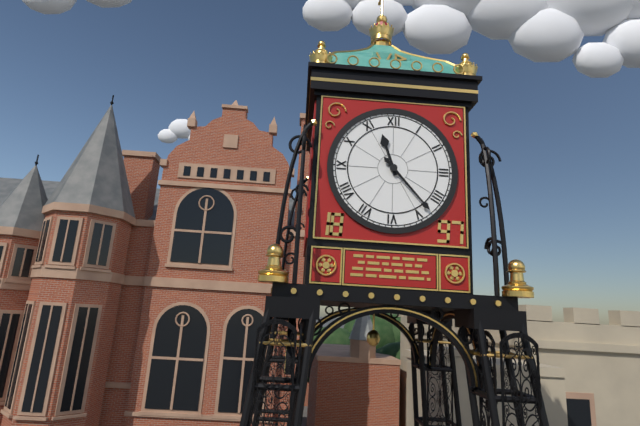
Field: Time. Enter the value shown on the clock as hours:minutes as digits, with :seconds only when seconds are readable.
11:23
